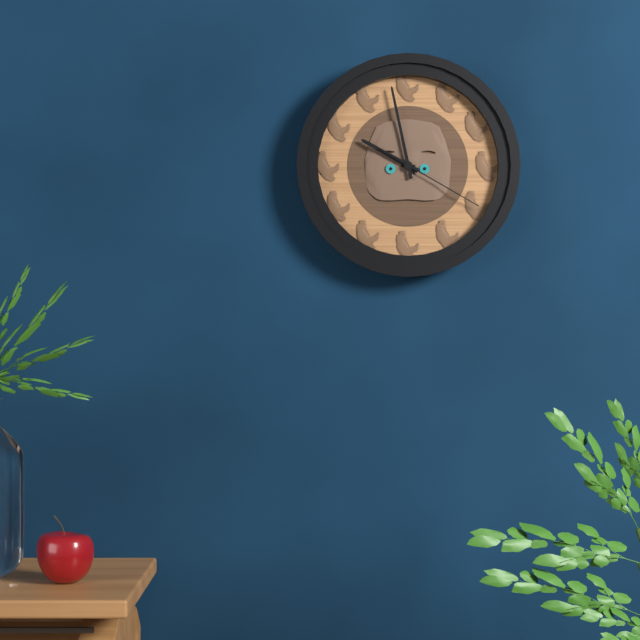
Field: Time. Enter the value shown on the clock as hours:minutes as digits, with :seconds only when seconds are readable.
9:58:20
